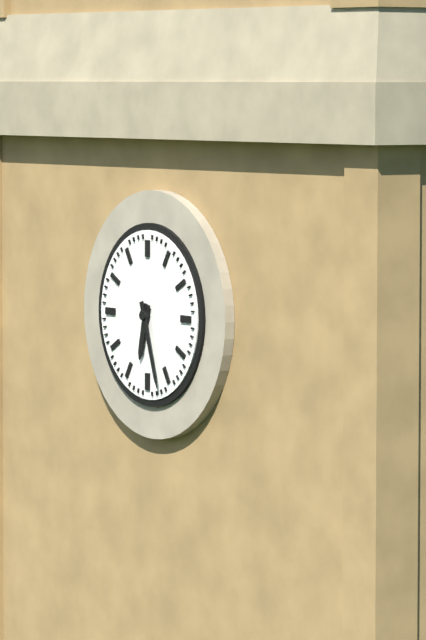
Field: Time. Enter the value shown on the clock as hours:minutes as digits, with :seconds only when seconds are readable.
6:27
